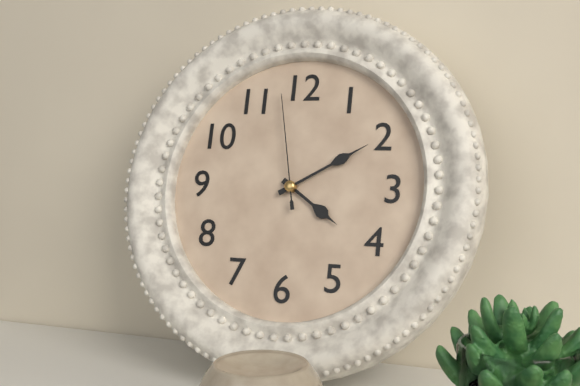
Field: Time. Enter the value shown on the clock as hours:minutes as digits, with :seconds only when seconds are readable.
4:10:58
